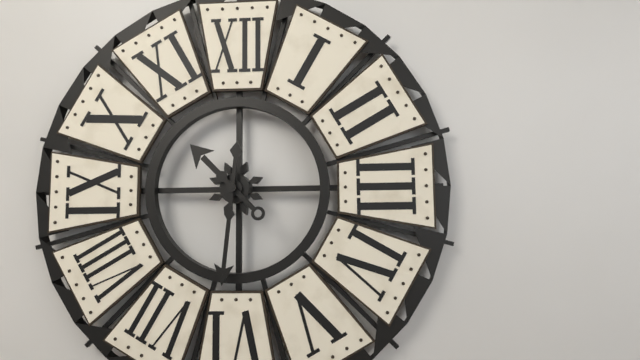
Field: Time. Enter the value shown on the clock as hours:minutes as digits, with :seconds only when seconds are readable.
10:31
